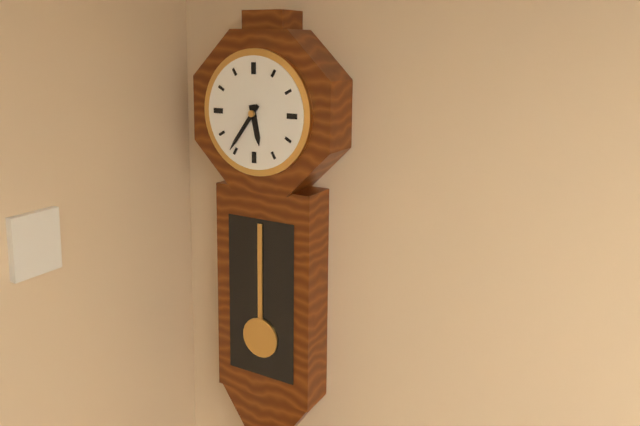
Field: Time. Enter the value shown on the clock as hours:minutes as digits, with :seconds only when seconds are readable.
5:36
